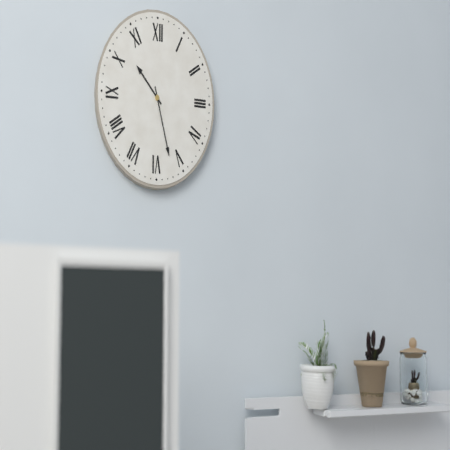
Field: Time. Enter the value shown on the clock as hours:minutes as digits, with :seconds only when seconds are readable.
10:27
